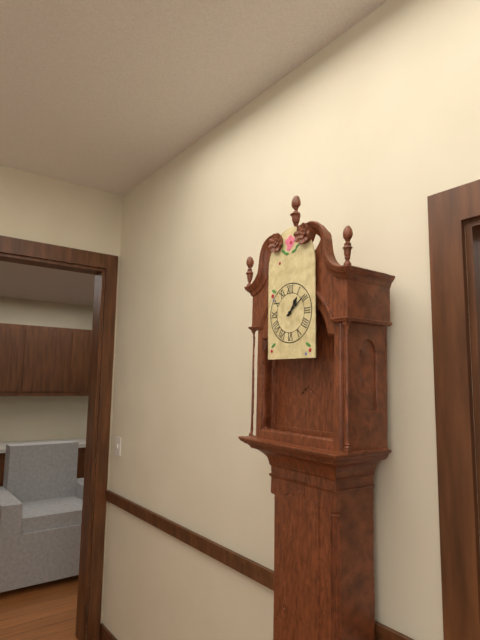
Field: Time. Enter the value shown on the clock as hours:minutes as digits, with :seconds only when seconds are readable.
1:09
